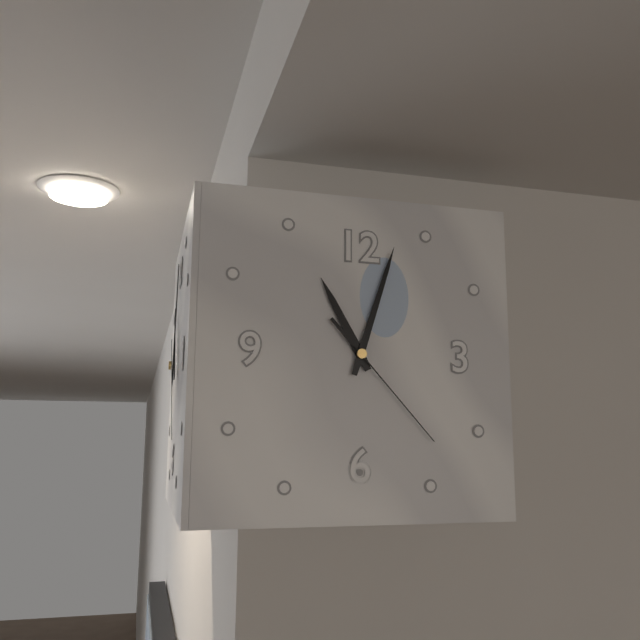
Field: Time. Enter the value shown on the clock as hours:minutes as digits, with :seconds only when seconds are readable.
11:03:23
